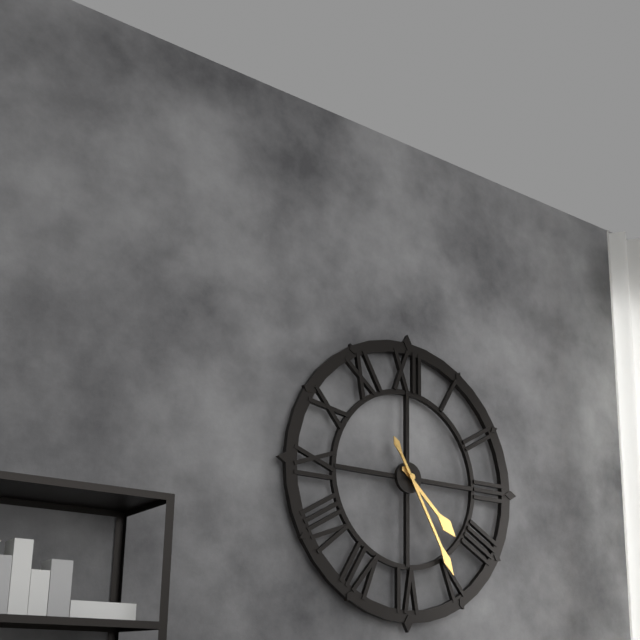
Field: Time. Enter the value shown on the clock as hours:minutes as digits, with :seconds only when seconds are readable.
4:25
